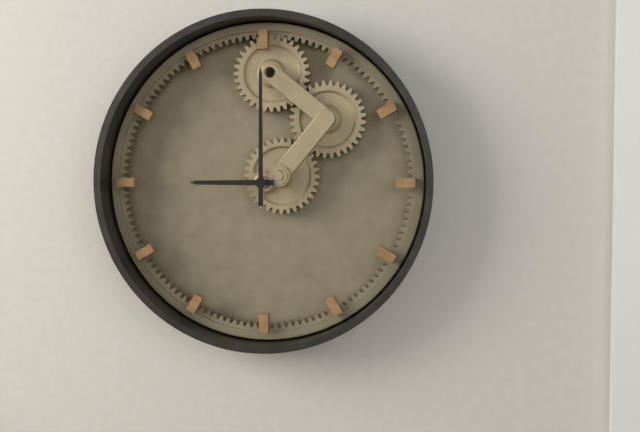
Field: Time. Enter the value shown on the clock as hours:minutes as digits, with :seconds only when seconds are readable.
9:00
